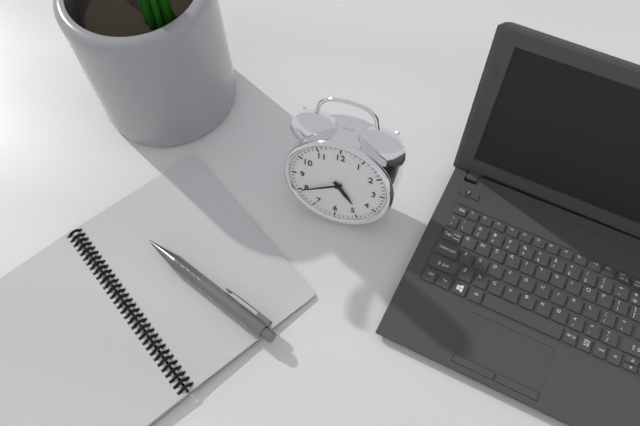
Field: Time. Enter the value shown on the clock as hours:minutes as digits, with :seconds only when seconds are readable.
4:40
